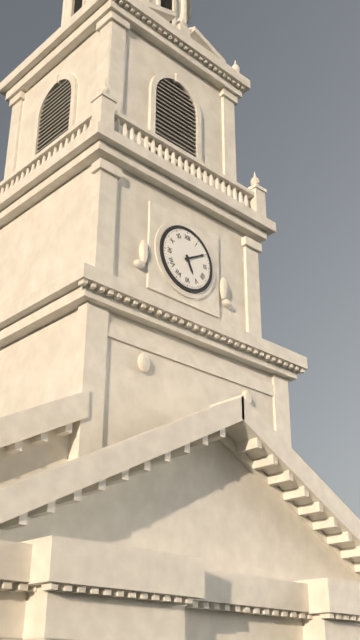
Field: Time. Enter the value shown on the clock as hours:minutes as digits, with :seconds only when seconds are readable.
5:10
